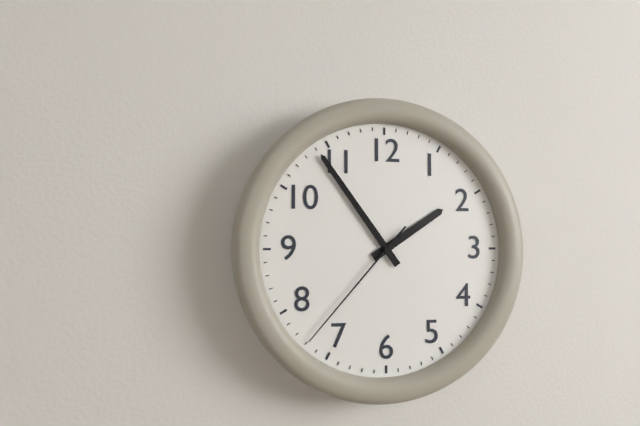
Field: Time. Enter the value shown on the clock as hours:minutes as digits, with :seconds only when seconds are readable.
1:54:37
